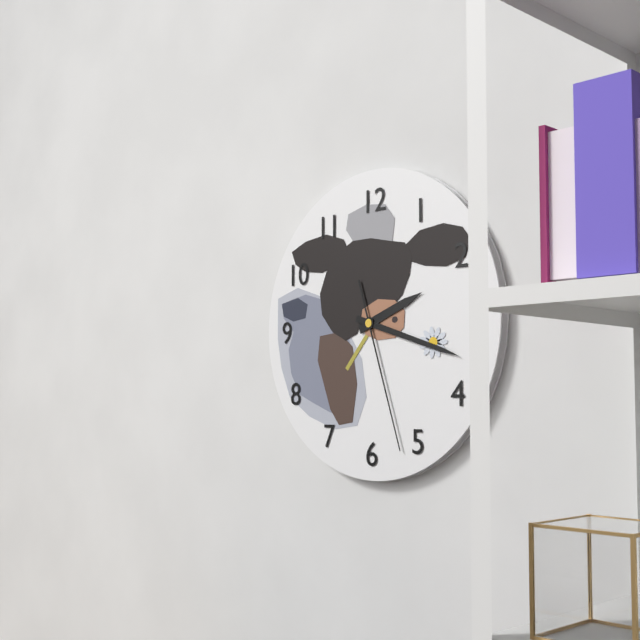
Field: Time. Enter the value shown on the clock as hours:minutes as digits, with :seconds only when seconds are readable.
2:18:27
